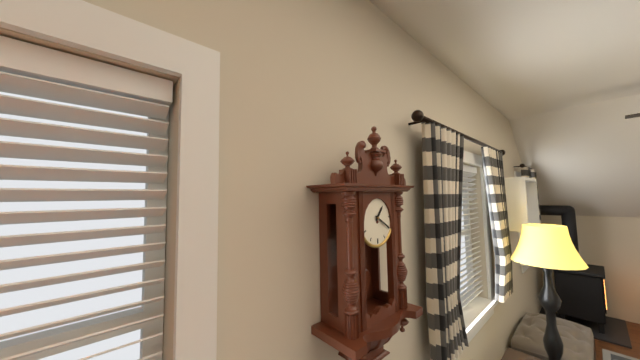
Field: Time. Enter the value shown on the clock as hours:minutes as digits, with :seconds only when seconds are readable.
1:20
